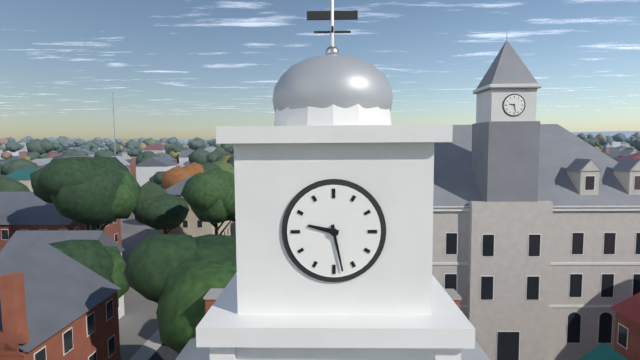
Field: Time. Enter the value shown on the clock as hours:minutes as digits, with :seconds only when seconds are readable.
9:28
